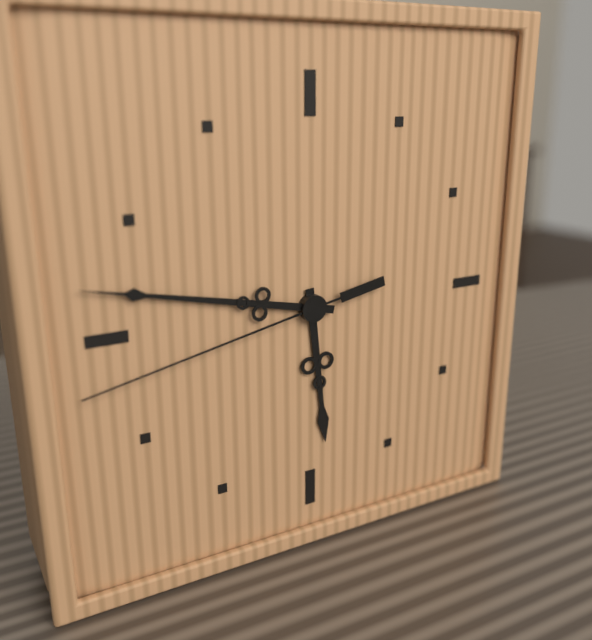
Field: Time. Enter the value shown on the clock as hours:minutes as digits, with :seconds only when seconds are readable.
5:47:43
